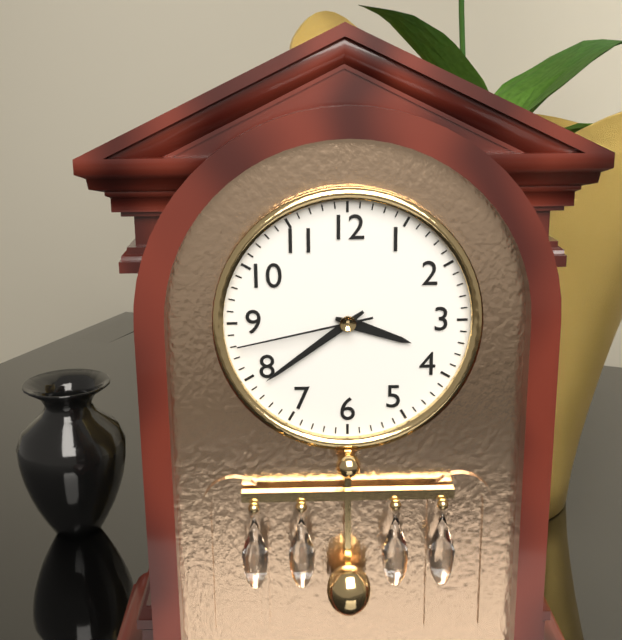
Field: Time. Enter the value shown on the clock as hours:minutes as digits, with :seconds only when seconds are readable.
3:39:43
